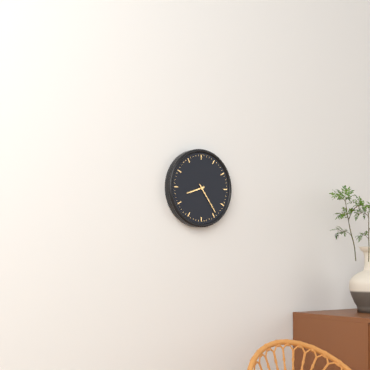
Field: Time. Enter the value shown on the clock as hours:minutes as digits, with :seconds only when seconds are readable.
8:24
